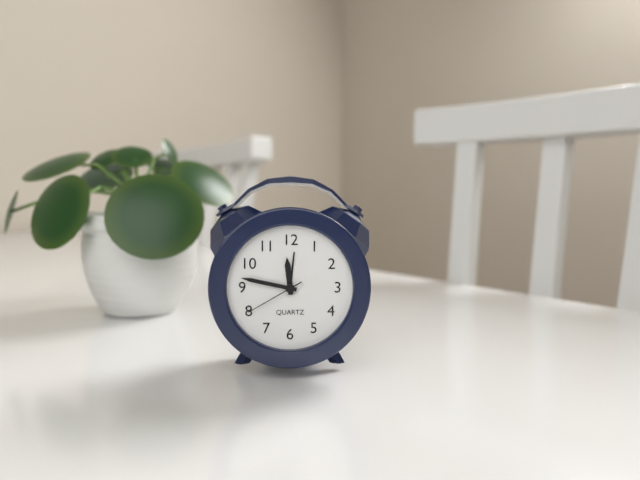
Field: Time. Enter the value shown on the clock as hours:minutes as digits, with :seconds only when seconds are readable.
11:47:40
